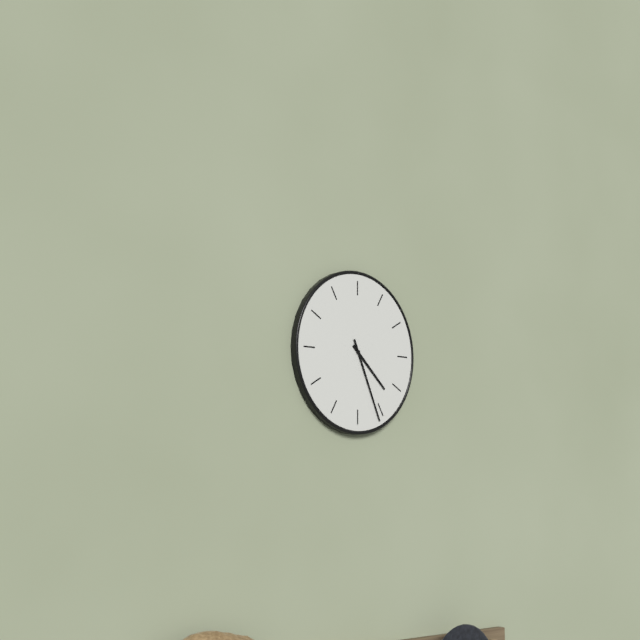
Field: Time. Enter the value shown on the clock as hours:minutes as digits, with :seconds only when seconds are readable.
4:26
